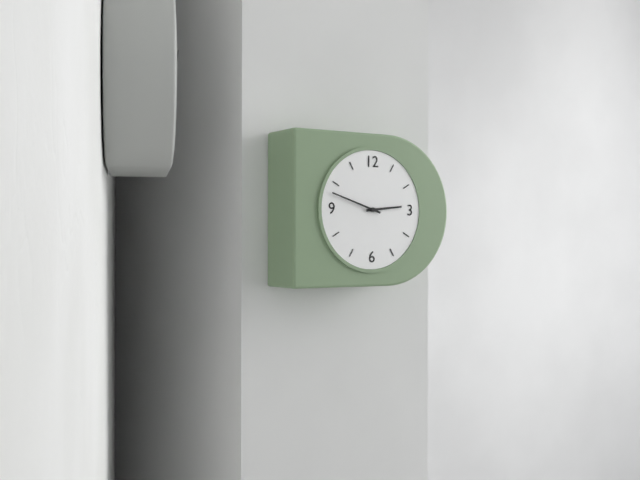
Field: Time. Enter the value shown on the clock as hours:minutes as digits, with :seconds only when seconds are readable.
2:48
